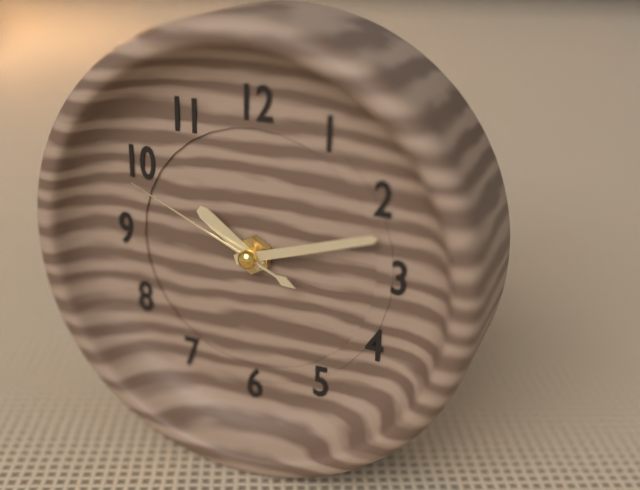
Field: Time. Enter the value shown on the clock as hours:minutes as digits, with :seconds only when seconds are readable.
10:12:49
